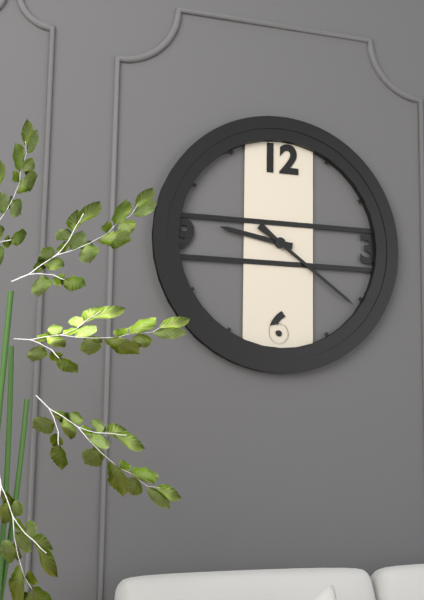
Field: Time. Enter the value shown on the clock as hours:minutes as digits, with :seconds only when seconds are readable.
9:21
